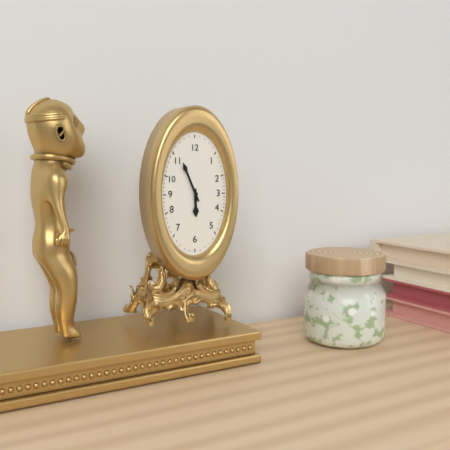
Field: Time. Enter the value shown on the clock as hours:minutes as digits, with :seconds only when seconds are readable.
5:56
